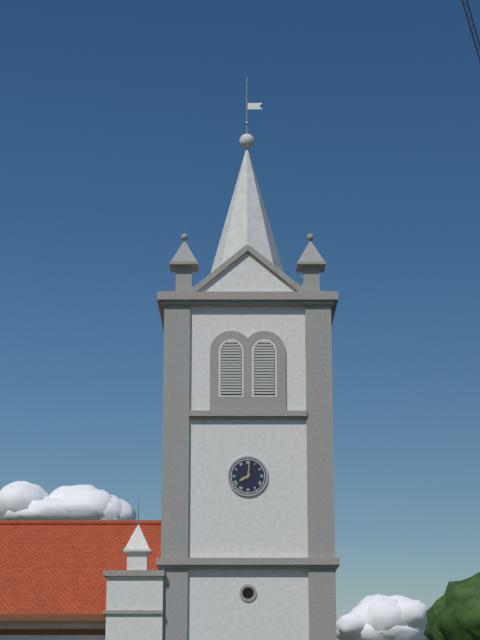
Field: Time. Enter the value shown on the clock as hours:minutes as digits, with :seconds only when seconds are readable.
8:01
